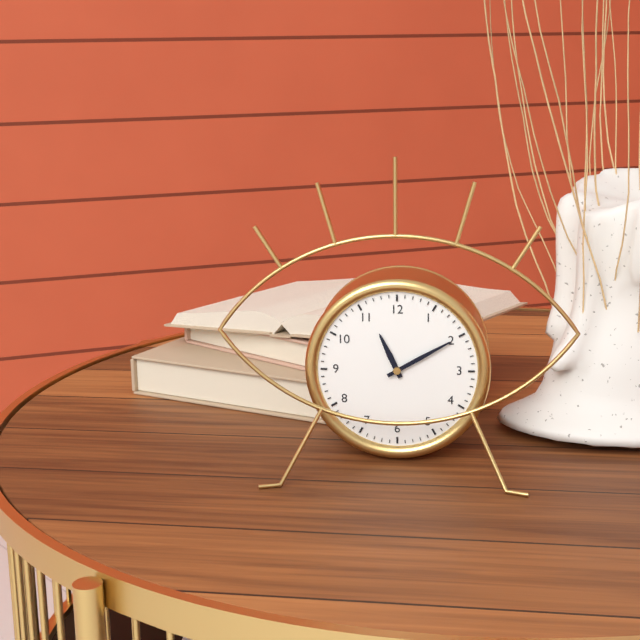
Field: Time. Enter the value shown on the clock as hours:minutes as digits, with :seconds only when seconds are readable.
11:10
